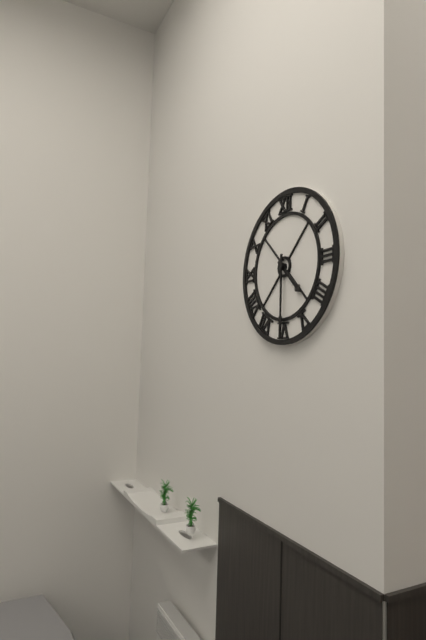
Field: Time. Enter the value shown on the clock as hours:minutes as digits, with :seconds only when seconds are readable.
4:30
